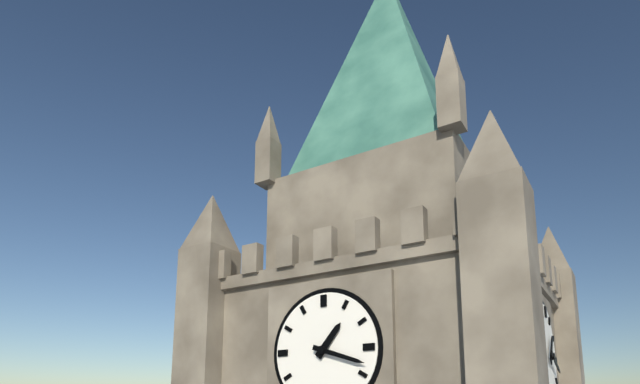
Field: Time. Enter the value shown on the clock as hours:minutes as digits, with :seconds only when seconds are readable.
1:18
